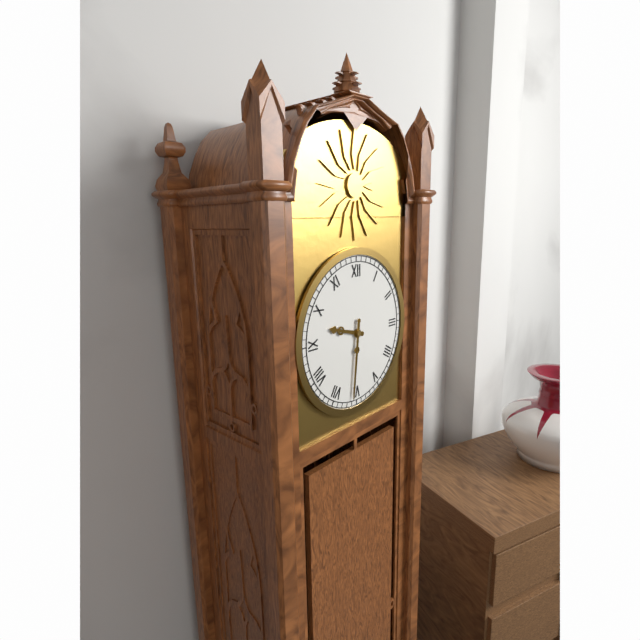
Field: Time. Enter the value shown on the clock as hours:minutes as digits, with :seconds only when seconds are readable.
9:31
